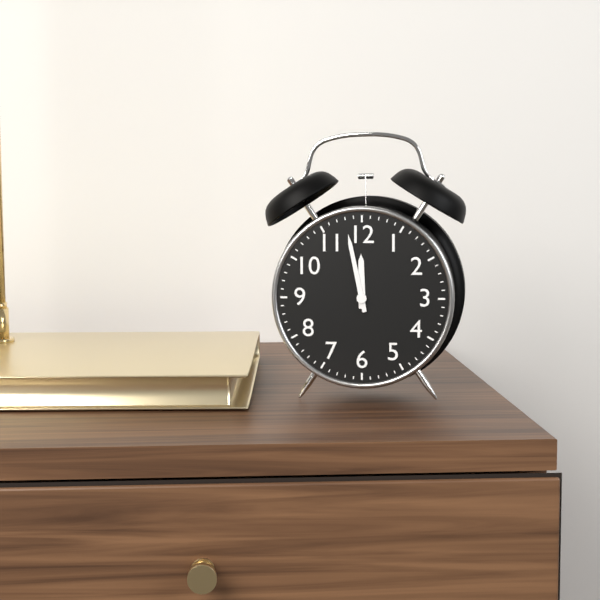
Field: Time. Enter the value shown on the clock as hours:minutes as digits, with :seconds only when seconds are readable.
11:58
